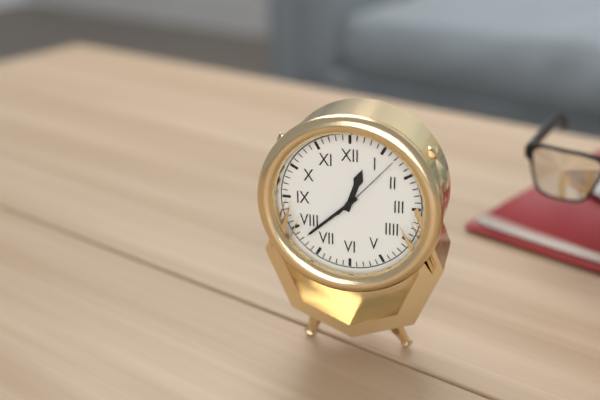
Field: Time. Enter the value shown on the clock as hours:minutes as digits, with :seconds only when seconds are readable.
12:38:07
